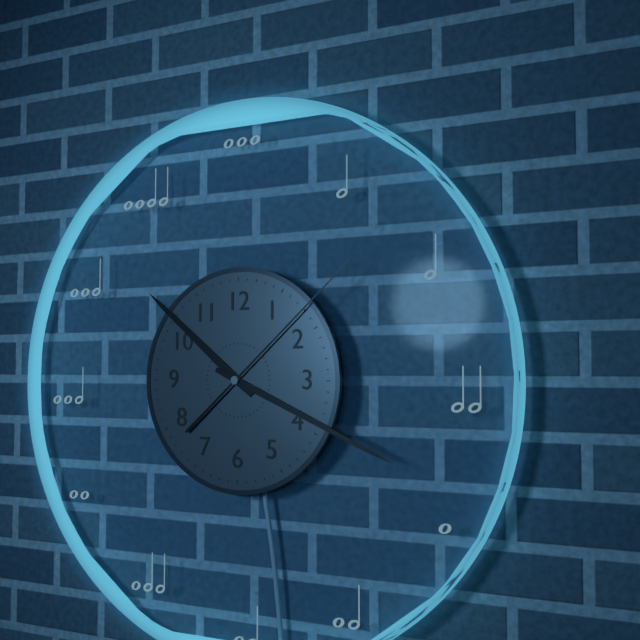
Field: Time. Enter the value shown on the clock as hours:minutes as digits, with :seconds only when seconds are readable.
10:19:08
